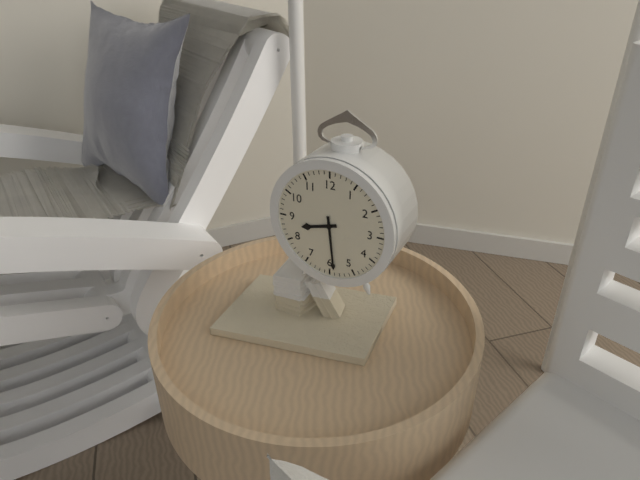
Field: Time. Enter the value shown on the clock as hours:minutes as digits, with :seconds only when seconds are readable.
8:29
